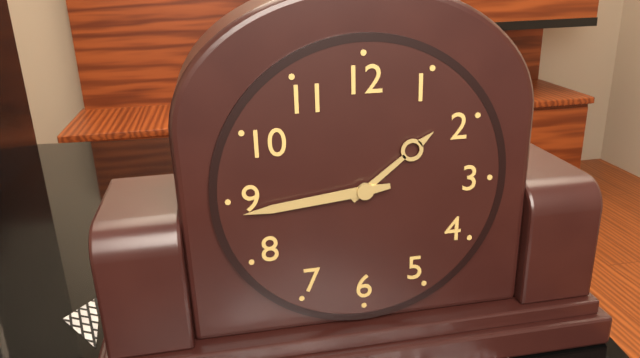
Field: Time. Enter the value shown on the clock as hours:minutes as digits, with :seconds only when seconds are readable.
1:44
